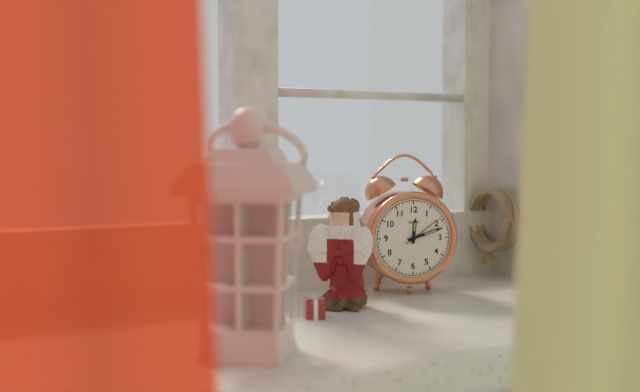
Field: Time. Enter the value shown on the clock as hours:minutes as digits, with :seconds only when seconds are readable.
12:12
